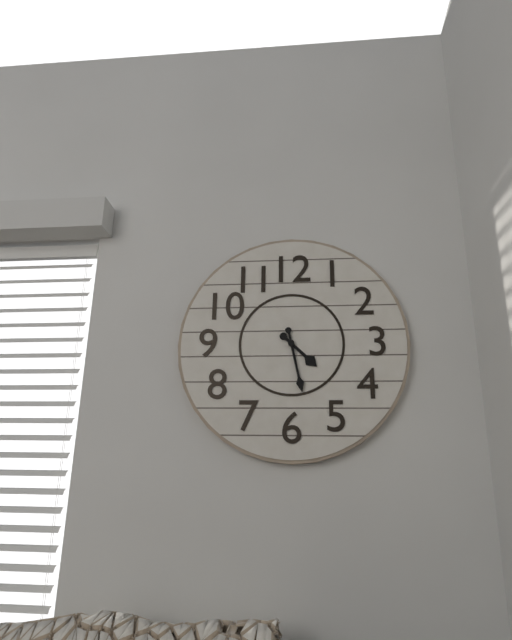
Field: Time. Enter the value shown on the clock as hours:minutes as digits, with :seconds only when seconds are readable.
4:28
